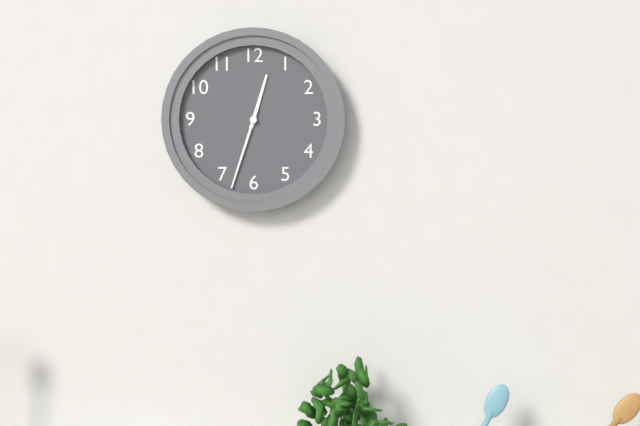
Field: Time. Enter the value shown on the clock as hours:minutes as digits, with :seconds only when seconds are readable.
12:33
